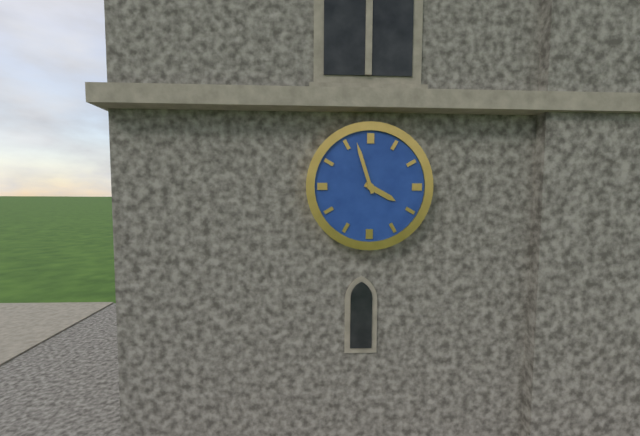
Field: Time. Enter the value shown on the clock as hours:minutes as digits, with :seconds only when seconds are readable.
3:57
